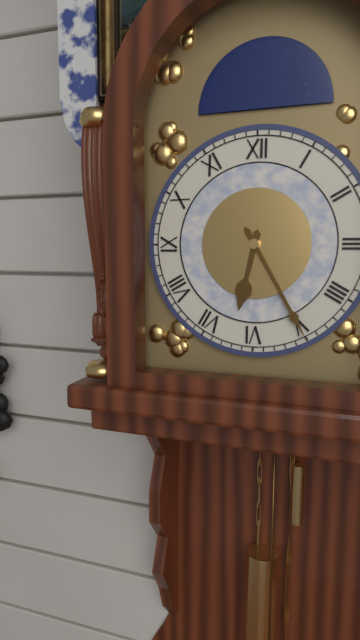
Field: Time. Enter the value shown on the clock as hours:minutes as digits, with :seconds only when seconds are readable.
6:25
